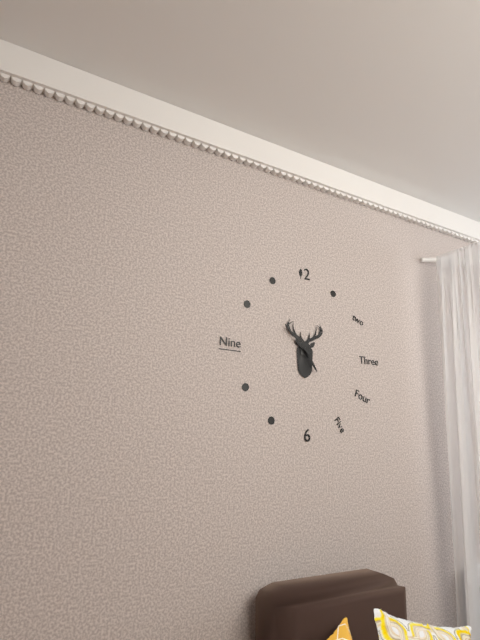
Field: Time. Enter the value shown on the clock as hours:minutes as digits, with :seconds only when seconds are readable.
4:52
